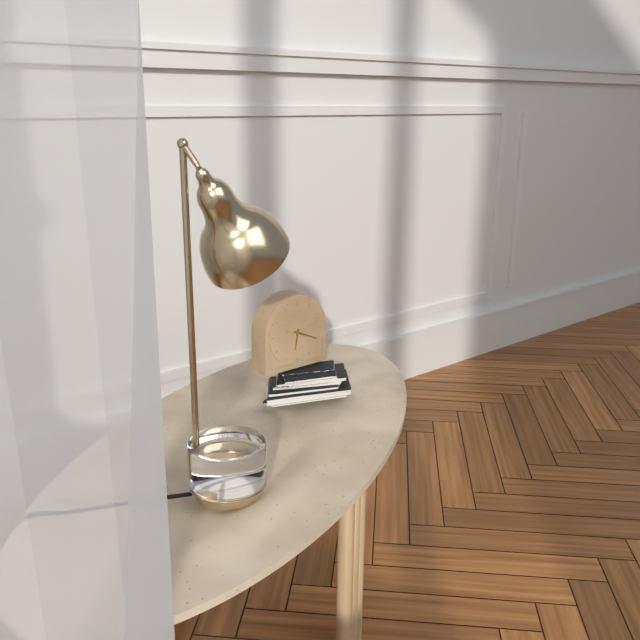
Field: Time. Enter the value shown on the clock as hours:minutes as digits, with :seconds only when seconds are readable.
6:19
